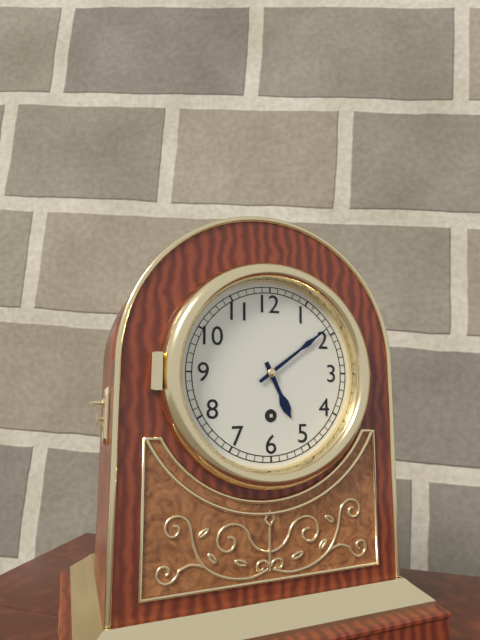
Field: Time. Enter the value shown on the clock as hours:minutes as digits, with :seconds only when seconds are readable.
5:09
